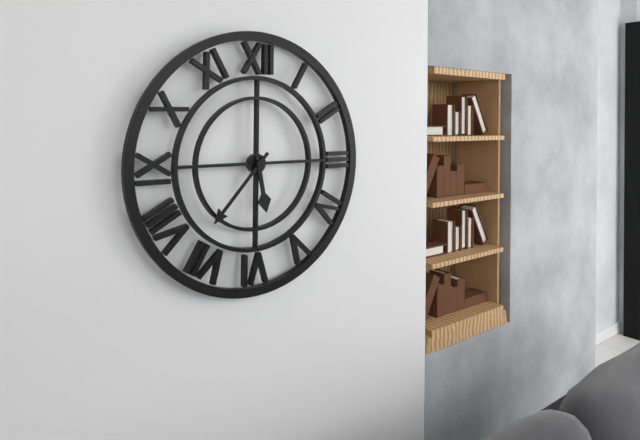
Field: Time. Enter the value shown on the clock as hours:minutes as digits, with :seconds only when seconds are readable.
5:37
